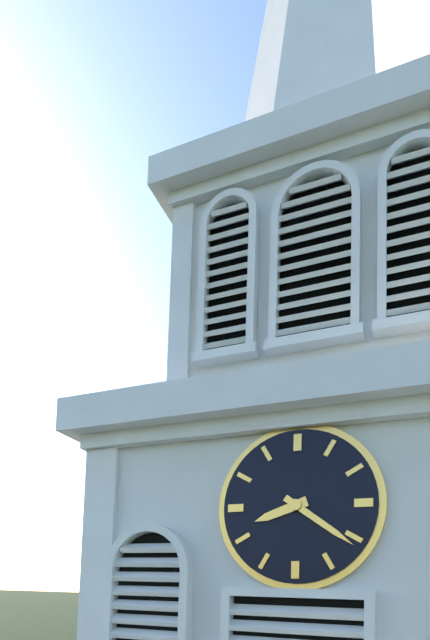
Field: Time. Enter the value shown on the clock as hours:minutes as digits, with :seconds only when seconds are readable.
8:21
